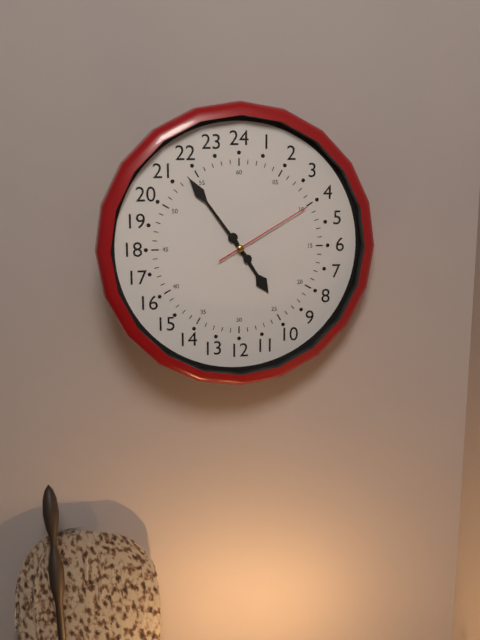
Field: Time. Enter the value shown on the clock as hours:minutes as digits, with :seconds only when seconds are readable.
4:54:10
